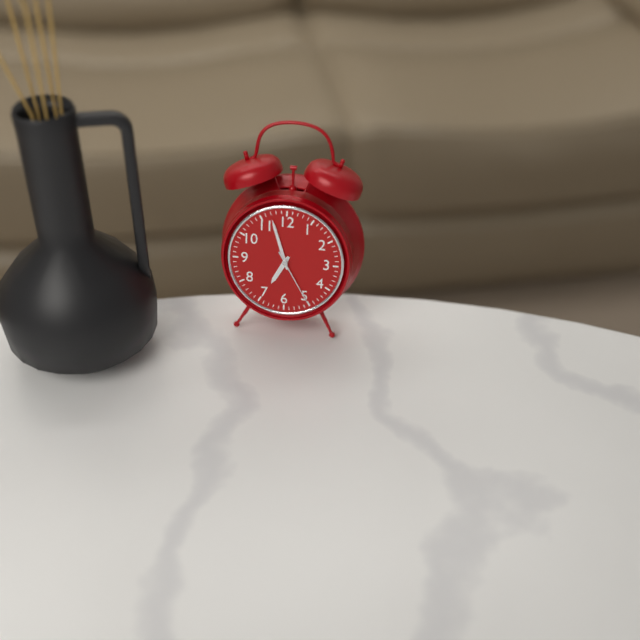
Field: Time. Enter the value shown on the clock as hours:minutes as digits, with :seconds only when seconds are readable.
6:57:25
